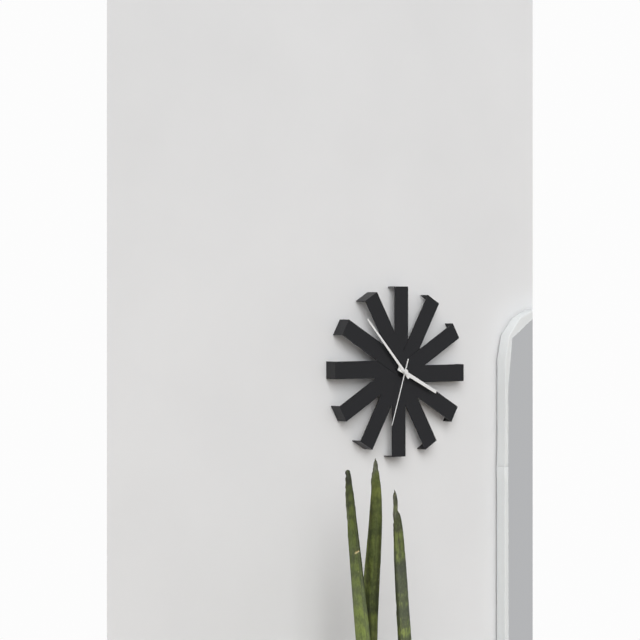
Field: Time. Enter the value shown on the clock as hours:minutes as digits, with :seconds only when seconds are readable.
3:53:33
